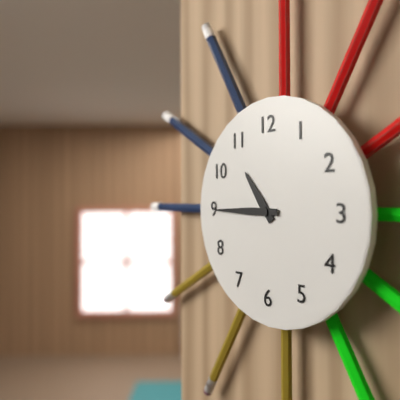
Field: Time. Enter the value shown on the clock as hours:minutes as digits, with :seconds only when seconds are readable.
10:45
